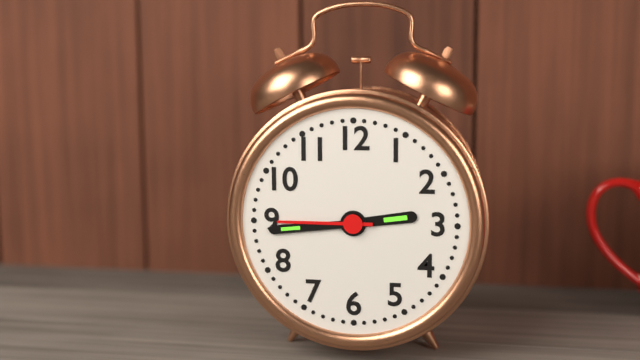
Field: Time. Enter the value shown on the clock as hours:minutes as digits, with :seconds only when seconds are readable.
2:44:45
